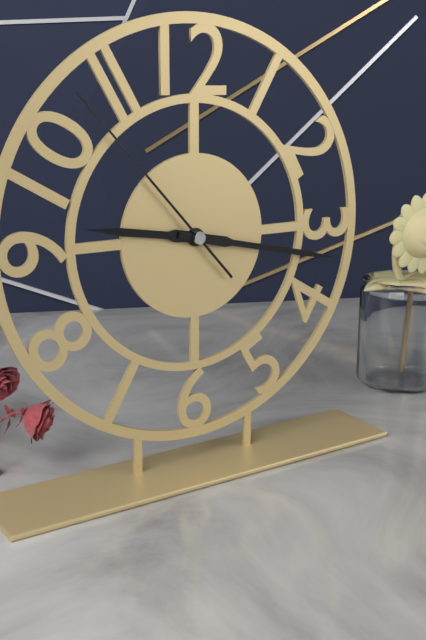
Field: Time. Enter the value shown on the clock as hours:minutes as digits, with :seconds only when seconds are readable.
9:17:53
